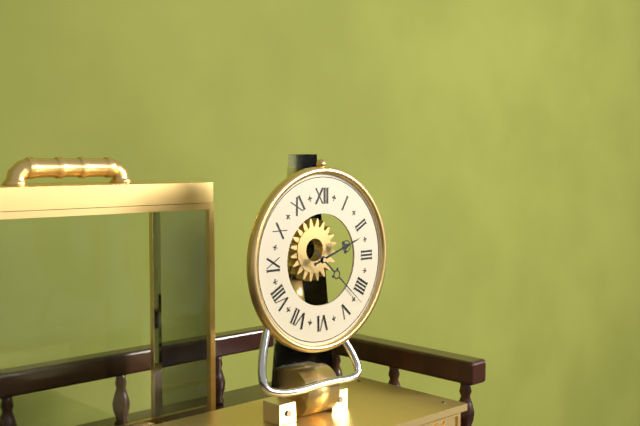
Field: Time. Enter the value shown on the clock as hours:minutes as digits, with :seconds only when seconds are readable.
2:22
